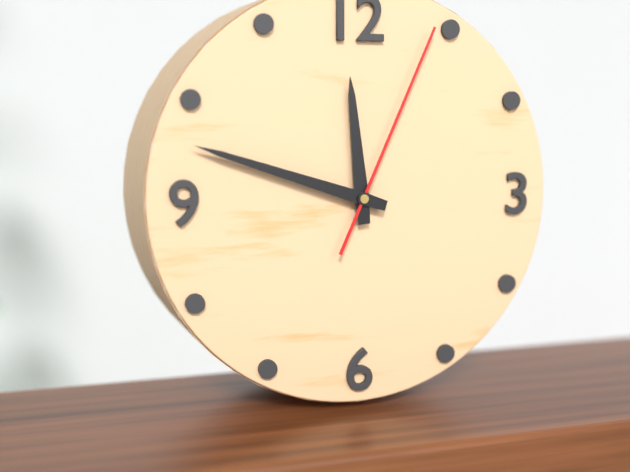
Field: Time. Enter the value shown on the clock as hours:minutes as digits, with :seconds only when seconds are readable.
11:48:04
